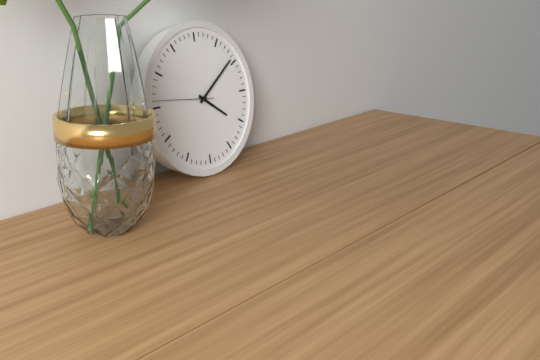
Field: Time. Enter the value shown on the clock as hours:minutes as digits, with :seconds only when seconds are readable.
4:09:46
